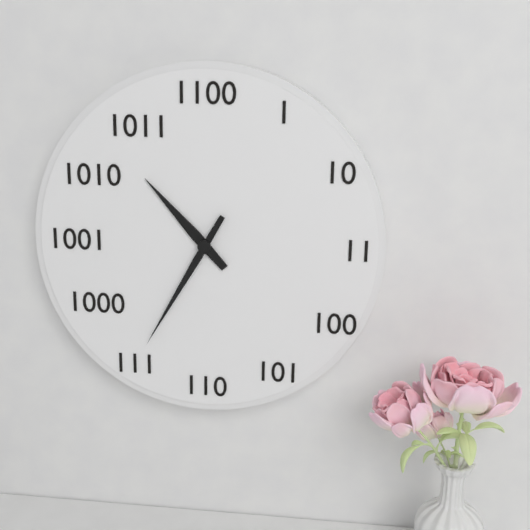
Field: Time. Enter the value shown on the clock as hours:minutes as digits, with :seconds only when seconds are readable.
10:35
